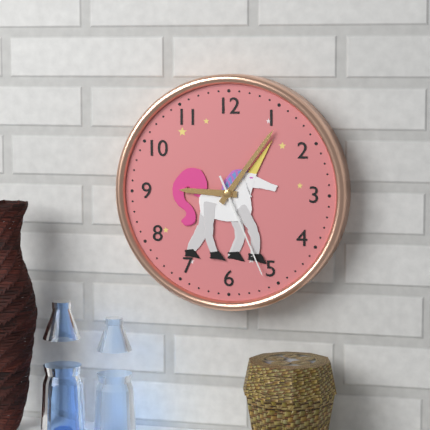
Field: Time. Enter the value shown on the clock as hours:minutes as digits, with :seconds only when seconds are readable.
9:06:26
